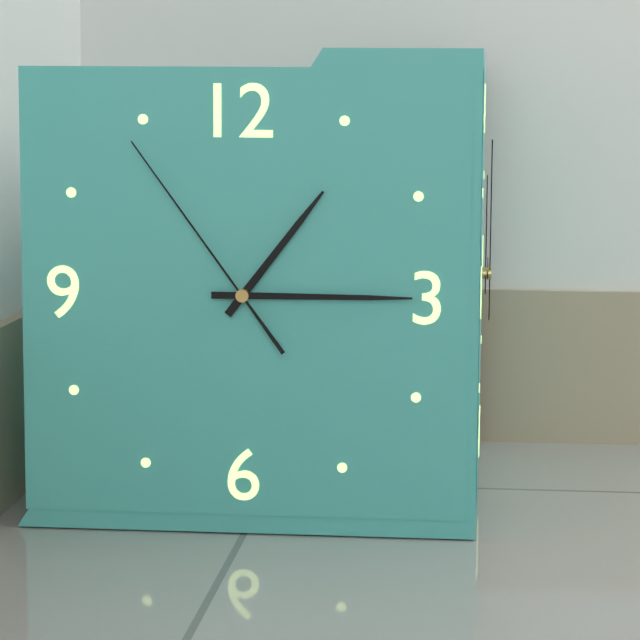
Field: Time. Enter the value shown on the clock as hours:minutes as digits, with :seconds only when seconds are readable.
1:15:54
